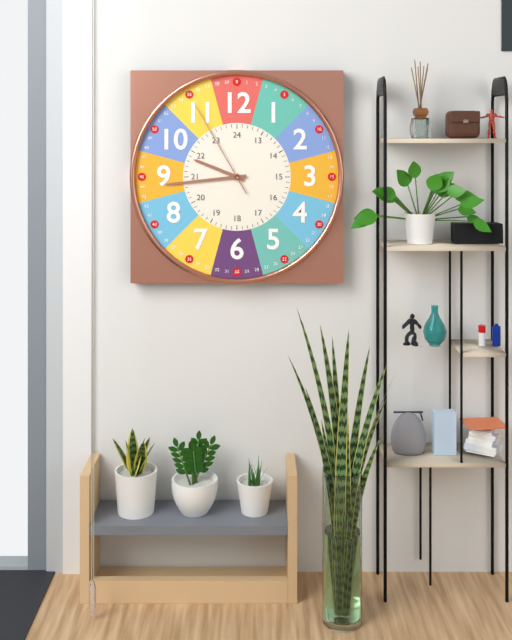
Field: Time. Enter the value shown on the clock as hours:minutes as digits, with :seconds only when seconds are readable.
9:44:55
